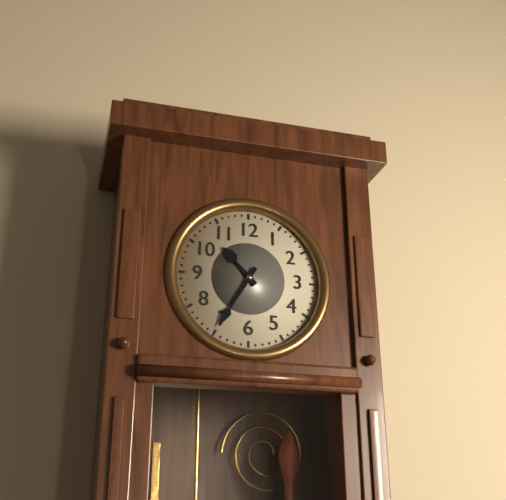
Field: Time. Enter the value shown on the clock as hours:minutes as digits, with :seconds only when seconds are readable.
10:35
